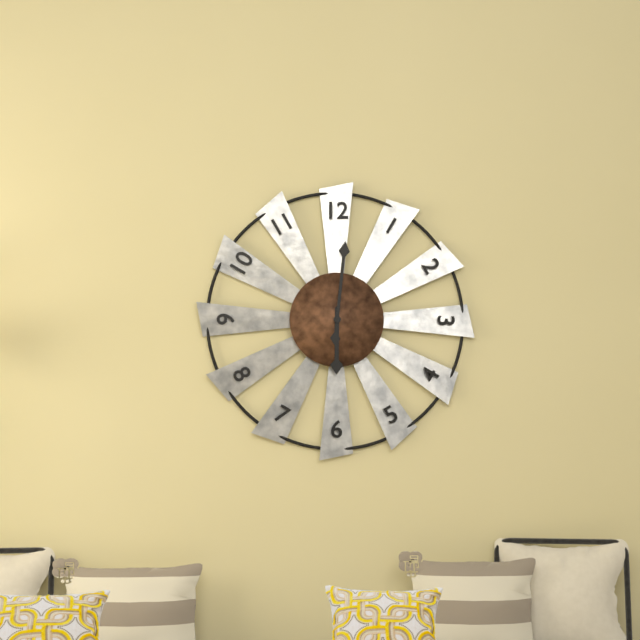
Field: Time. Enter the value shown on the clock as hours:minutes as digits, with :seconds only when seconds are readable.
6:01
